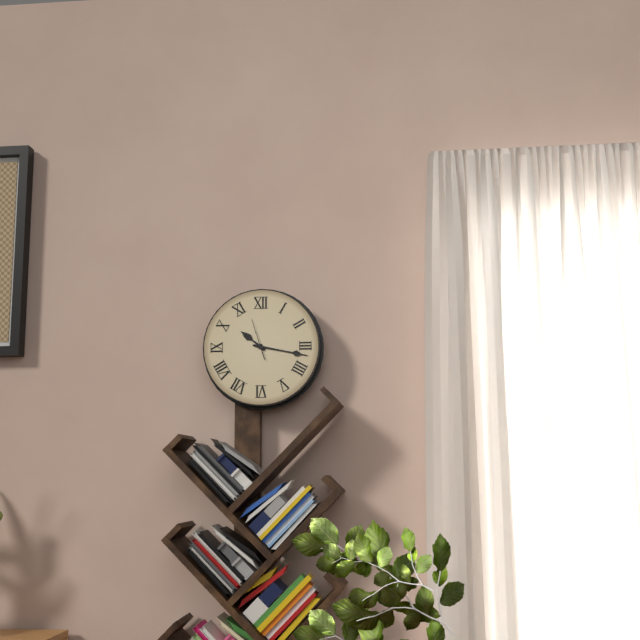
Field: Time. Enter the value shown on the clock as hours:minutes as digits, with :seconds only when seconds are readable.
10:17
